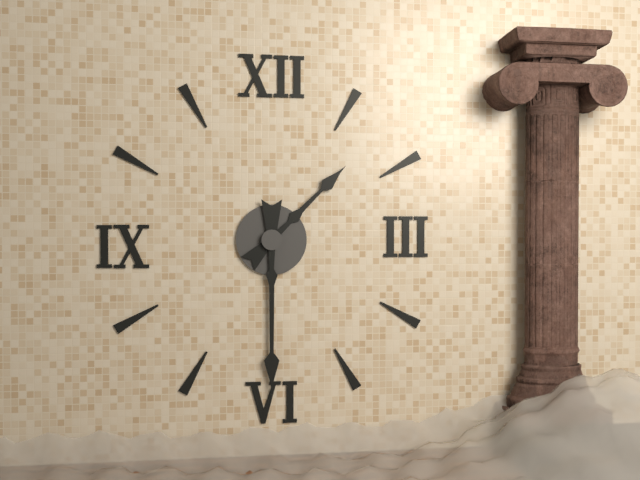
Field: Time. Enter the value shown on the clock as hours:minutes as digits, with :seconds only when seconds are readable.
1:30
